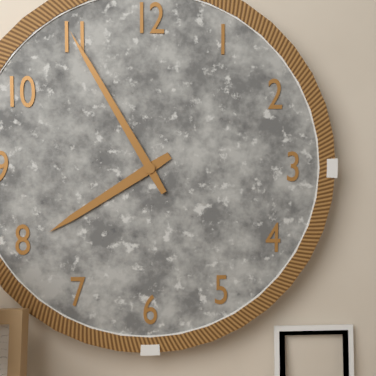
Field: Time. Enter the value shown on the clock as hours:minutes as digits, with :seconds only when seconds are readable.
7:55
